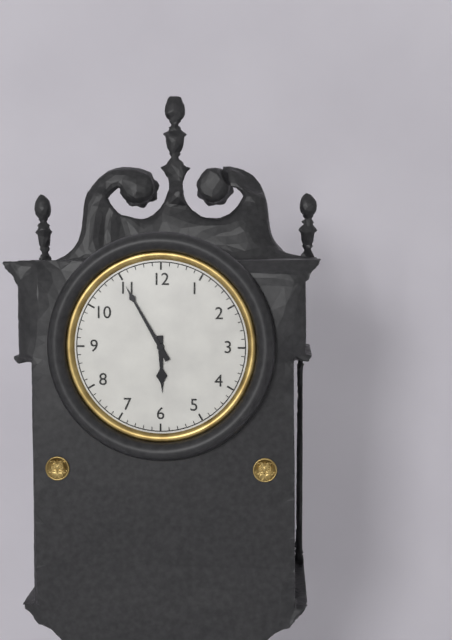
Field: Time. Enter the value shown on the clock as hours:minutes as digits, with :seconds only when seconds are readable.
5:55
